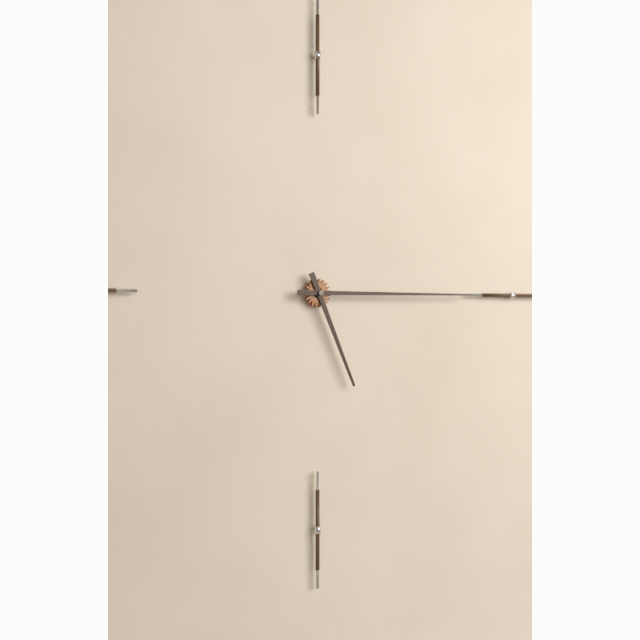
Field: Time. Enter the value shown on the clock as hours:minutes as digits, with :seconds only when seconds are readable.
5:15
